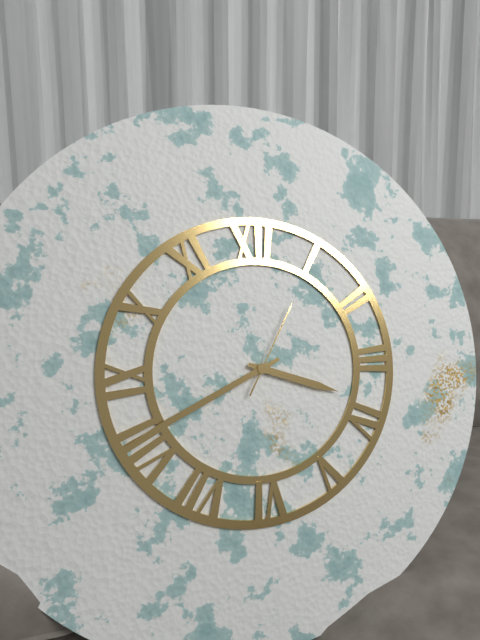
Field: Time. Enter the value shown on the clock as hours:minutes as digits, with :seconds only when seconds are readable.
3:41:05
